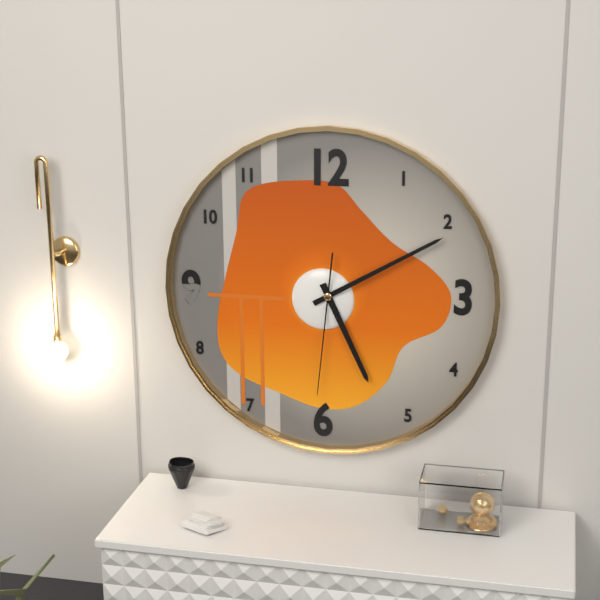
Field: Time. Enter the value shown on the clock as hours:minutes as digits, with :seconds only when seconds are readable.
5:10:31
